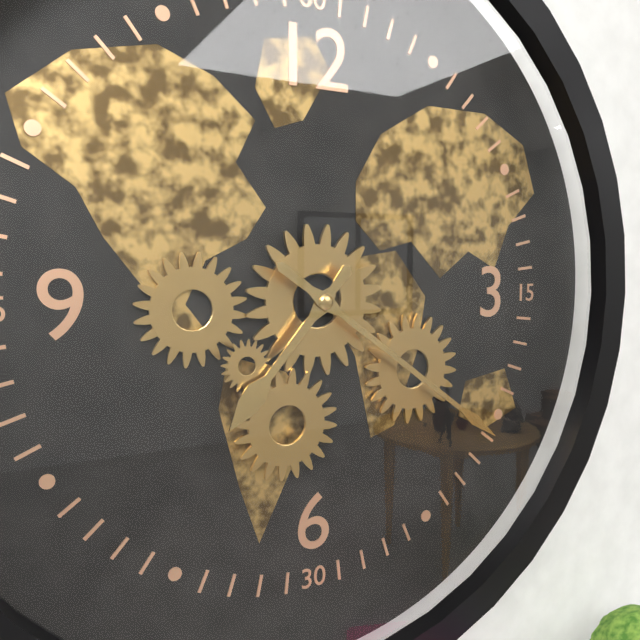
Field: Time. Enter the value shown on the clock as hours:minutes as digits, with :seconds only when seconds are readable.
7:21
